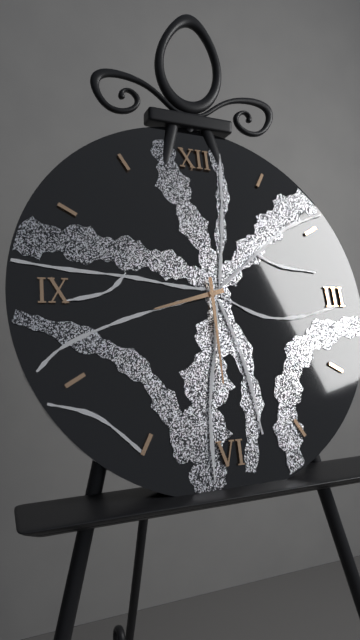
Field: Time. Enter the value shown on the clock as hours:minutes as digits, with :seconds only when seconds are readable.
8:30
